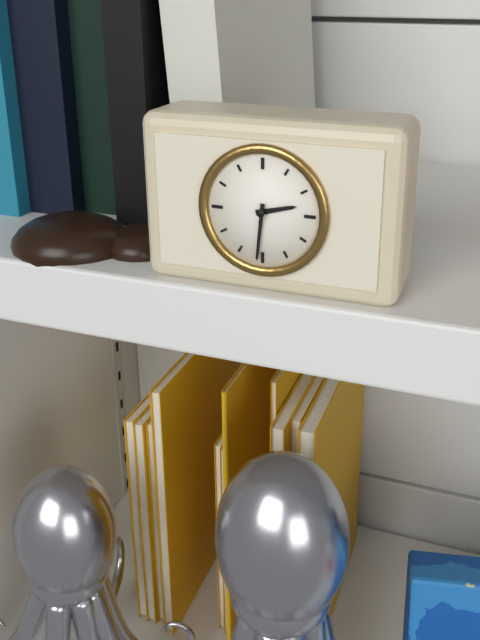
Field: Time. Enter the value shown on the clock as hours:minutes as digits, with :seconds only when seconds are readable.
2:31
